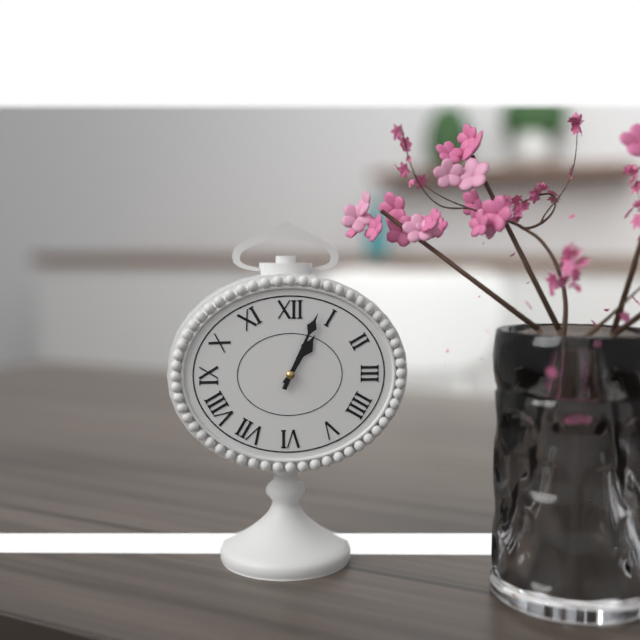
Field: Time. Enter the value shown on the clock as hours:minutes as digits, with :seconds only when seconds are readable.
1:04
